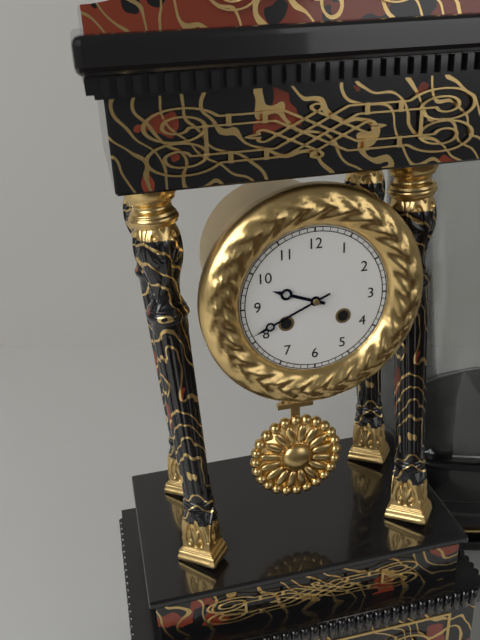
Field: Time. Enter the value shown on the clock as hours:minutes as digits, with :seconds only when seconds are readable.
9:41
